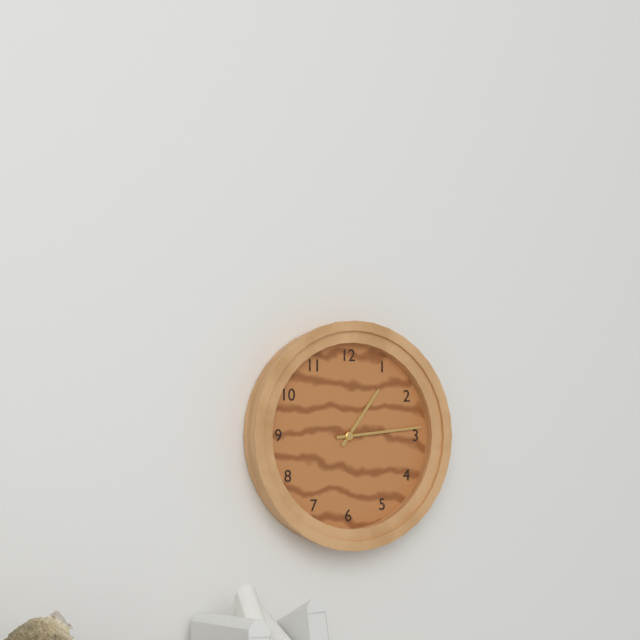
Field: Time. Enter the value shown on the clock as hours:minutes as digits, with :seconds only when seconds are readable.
1:14
